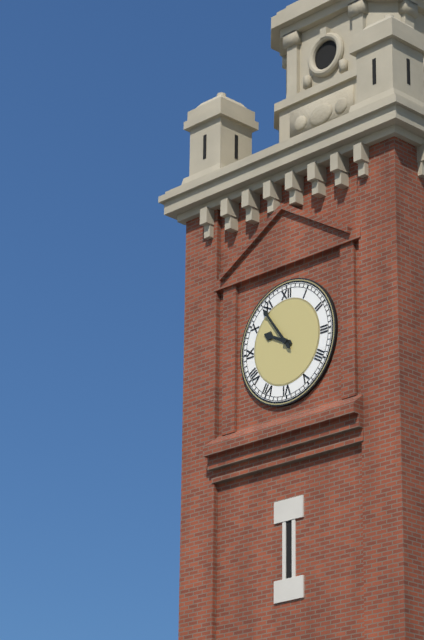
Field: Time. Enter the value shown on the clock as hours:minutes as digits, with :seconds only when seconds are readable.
9:54
